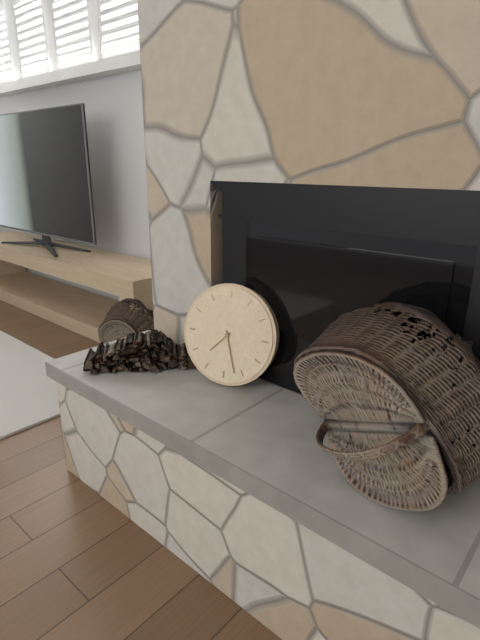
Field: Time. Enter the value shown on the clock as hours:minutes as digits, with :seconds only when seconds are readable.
7:27
